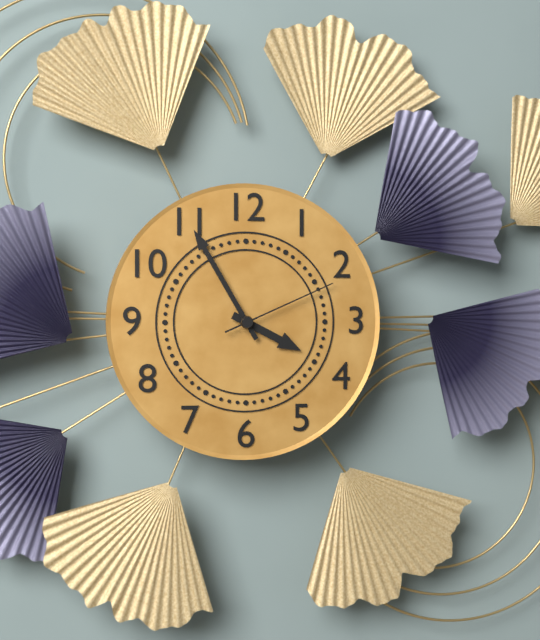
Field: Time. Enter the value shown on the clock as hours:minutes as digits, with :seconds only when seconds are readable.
3:55:11
